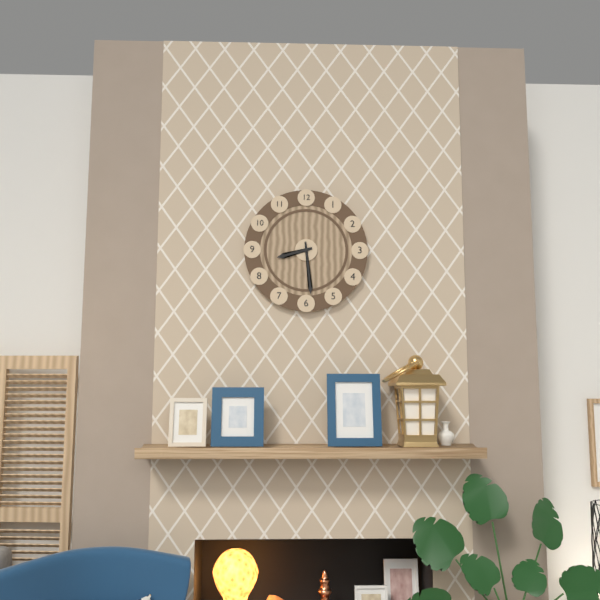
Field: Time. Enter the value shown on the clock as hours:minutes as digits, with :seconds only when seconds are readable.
8:29
